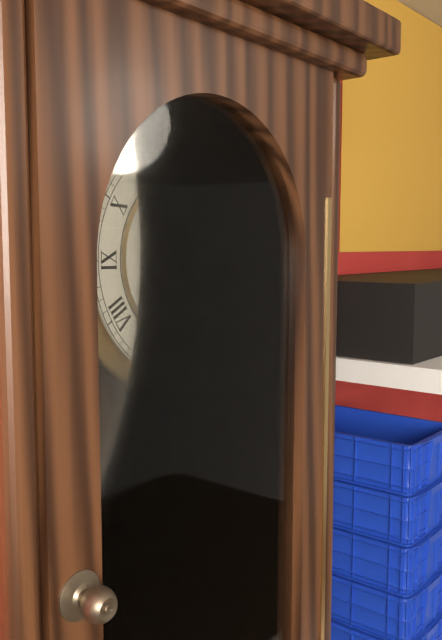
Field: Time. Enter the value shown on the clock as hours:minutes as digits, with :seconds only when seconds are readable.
1:54
